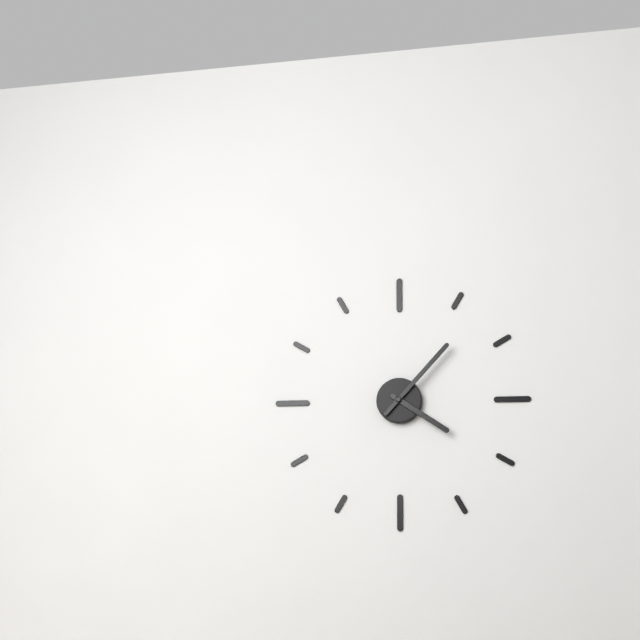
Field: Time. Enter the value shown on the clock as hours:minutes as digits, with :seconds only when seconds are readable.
4:07
